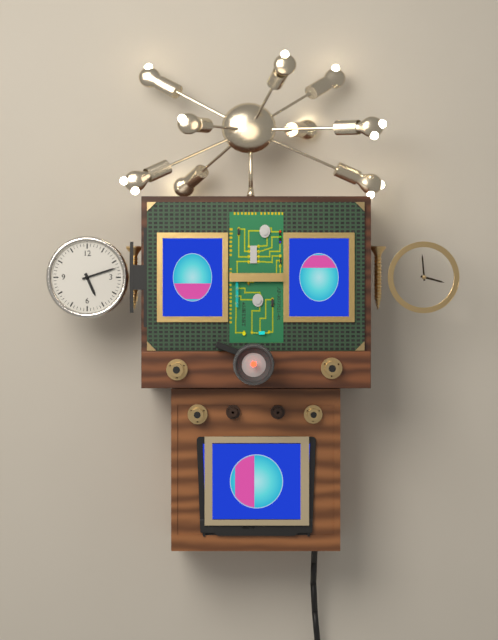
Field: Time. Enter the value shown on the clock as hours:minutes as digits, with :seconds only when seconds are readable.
5:12
